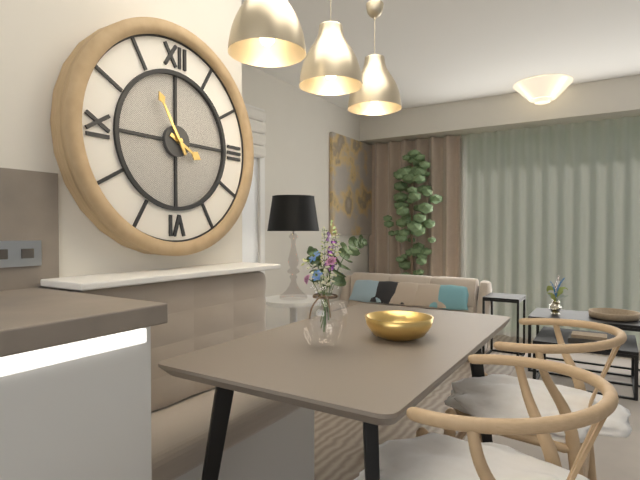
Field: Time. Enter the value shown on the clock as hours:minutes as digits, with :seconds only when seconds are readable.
3:55
